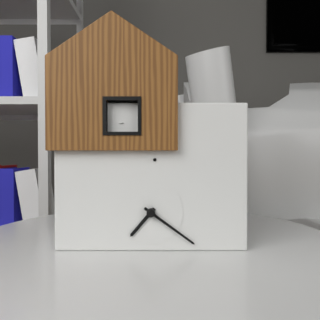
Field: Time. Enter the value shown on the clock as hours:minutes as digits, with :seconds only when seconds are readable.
7:21
